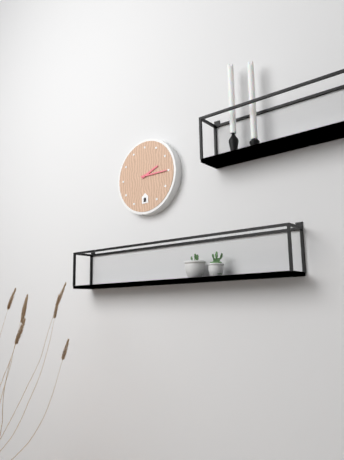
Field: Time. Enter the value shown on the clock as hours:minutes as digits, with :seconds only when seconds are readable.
2:15
